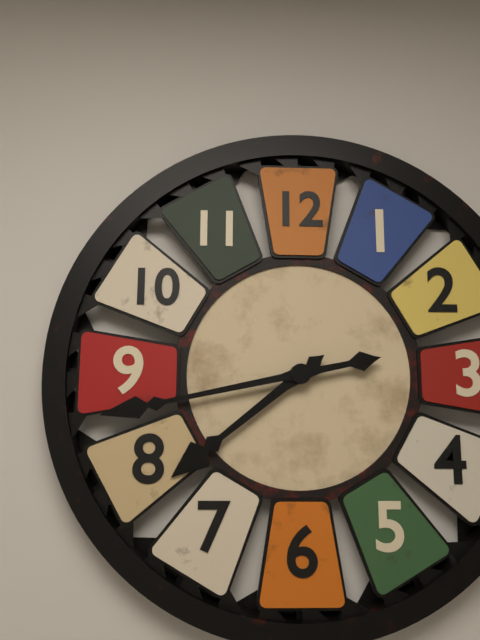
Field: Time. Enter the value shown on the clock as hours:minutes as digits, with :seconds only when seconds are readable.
7:43
